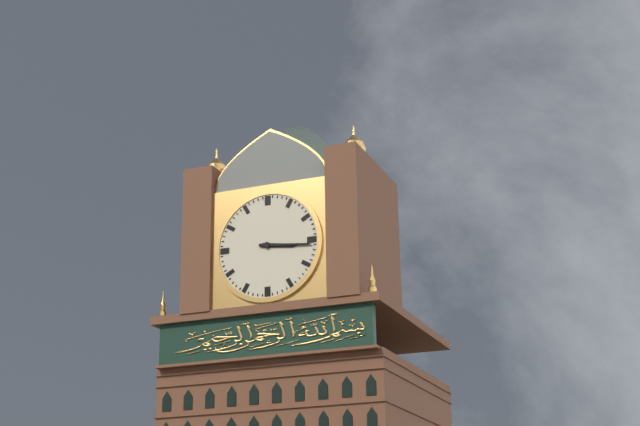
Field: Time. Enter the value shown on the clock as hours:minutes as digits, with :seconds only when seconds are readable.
3:16
